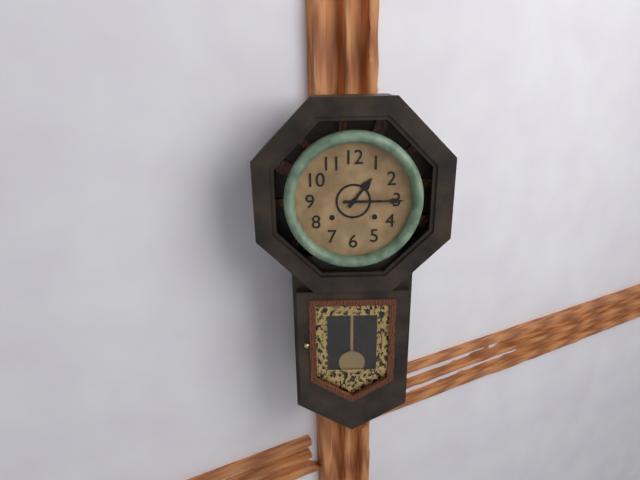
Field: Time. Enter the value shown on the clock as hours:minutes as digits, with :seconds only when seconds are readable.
1:15
